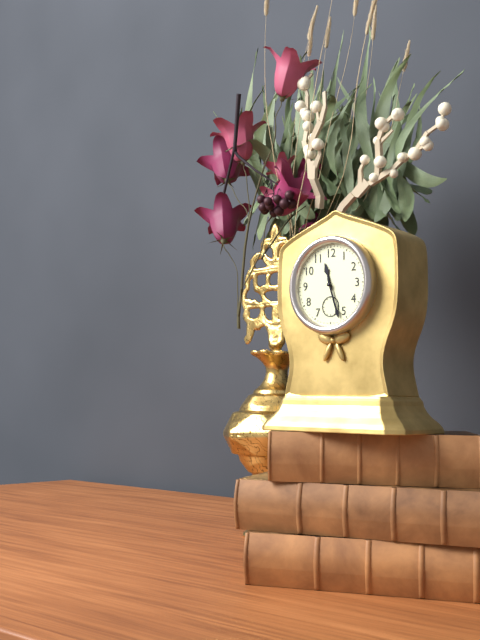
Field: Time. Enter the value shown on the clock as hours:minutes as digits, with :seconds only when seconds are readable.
11:27
